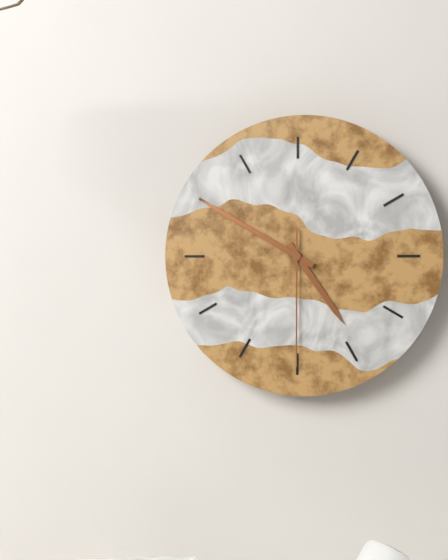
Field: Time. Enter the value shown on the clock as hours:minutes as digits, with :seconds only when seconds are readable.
4:50:30
